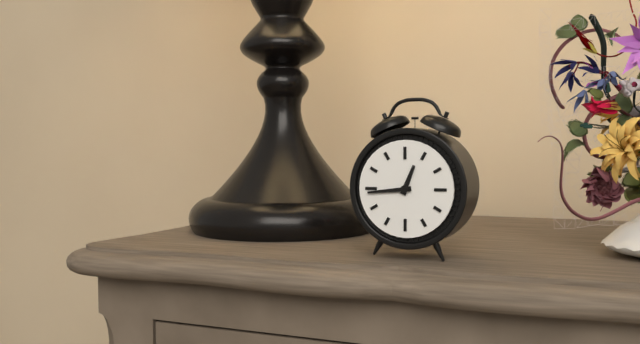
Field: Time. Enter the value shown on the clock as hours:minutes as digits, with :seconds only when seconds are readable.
12:44
